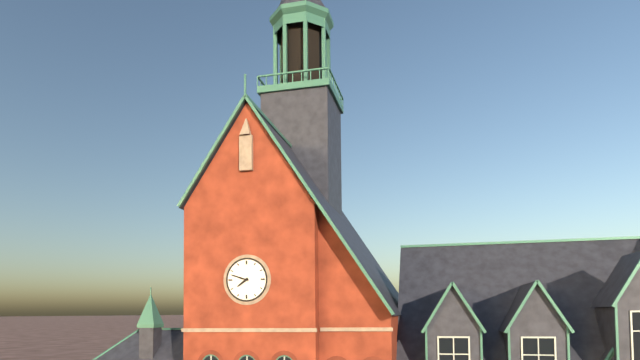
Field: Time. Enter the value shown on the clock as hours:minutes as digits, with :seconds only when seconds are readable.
7:48
